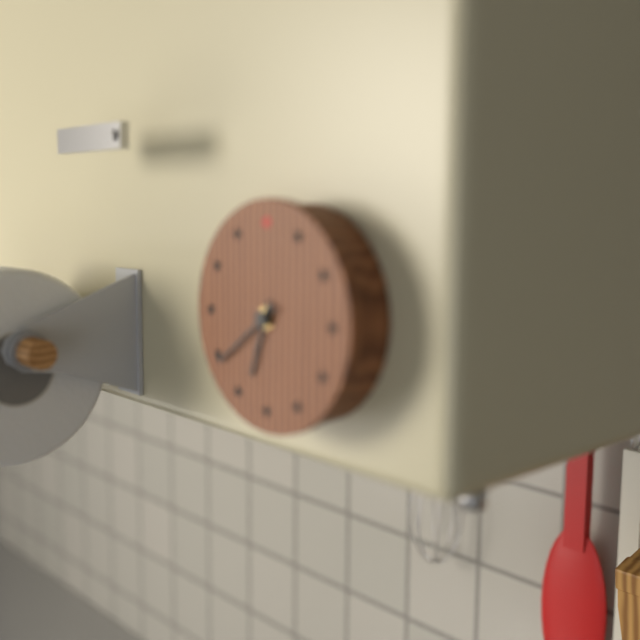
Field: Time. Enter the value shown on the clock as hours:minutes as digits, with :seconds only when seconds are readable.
6:39
